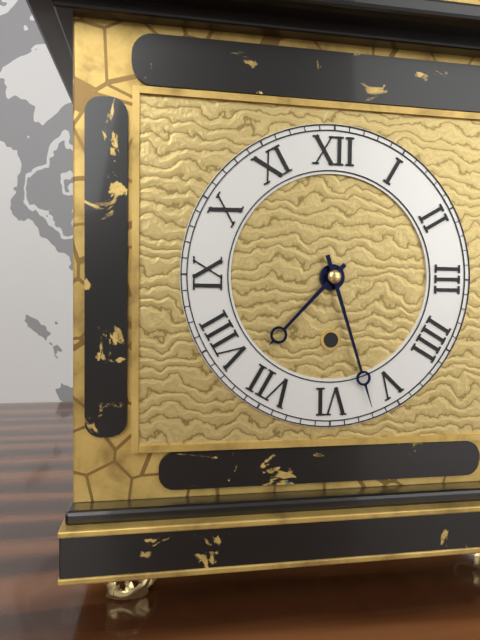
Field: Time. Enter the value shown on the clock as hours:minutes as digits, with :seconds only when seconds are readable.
7:27
